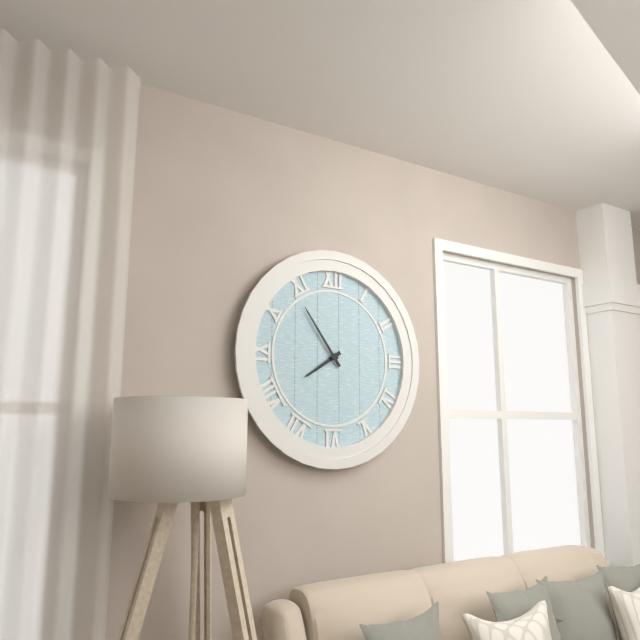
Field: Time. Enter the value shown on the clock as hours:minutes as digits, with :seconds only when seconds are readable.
7:54
